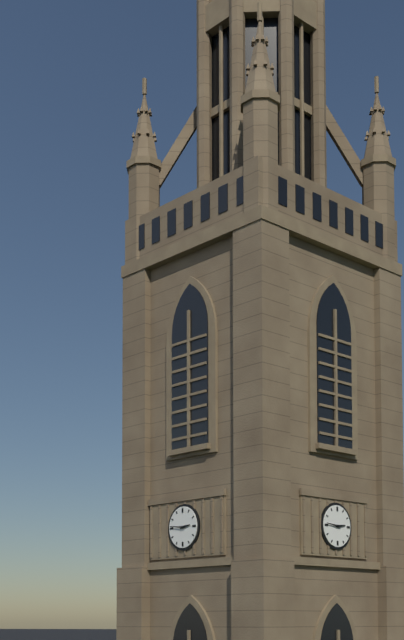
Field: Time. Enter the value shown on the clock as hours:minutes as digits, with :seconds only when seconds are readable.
2:46
